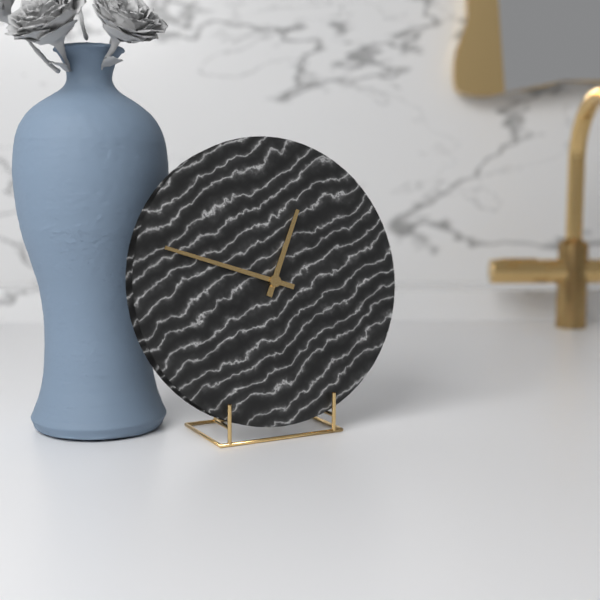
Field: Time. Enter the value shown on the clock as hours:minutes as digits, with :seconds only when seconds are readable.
12:48
